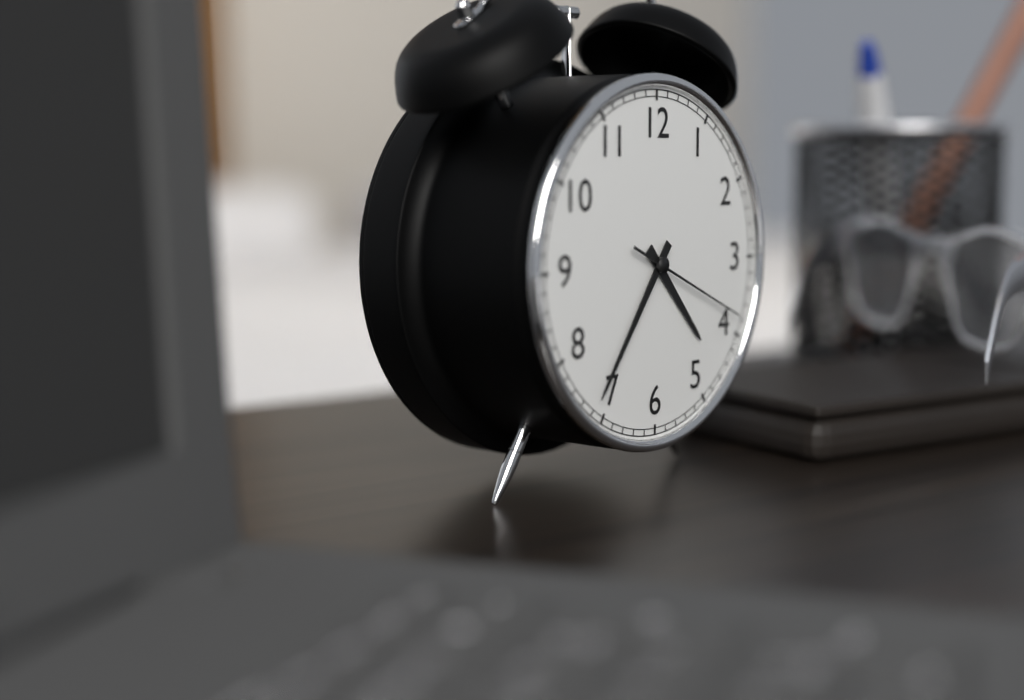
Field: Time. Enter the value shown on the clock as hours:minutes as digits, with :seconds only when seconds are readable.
4:36:19
